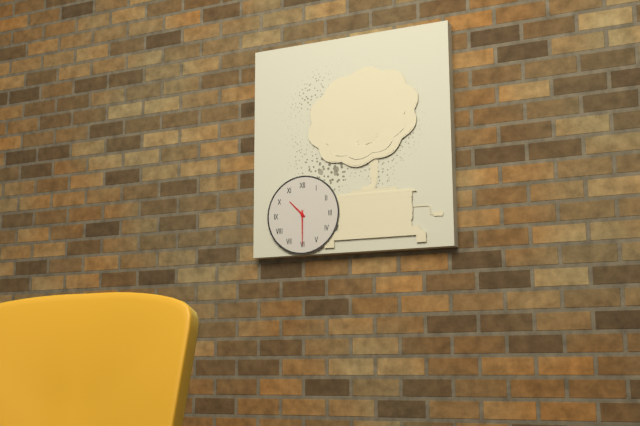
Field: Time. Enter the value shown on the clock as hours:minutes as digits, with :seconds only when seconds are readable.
10:30
